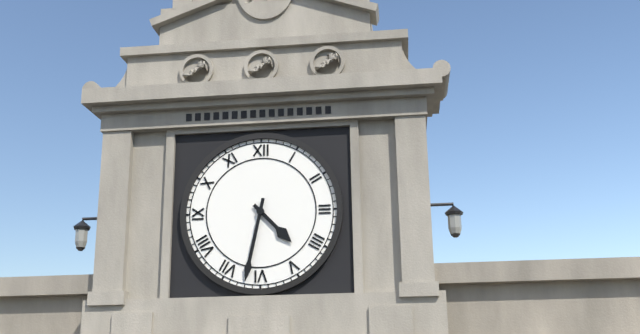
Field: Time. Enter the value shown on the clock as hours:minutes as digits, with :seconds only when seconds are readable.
4:32
